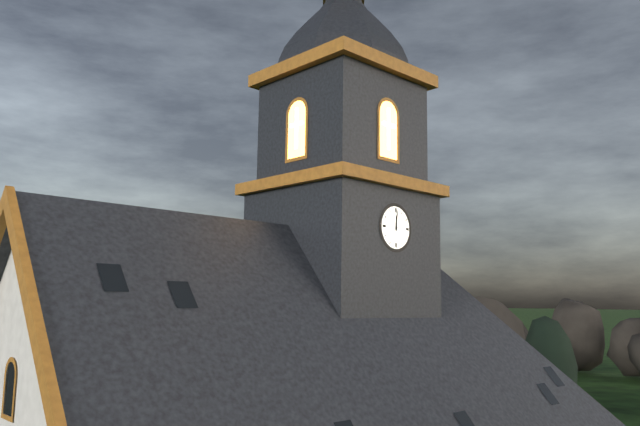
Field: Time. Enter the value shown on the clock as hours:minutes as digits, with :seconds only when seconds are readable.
12:01
